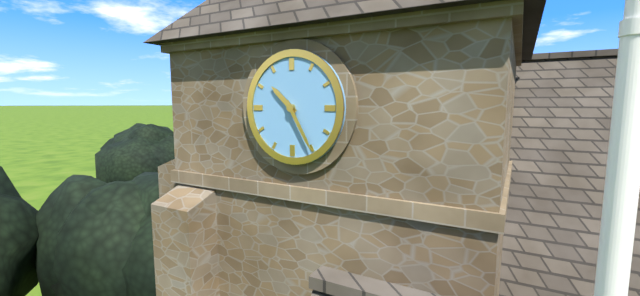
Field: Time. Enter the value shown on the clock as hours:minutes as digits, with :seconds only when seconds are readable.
10:25
